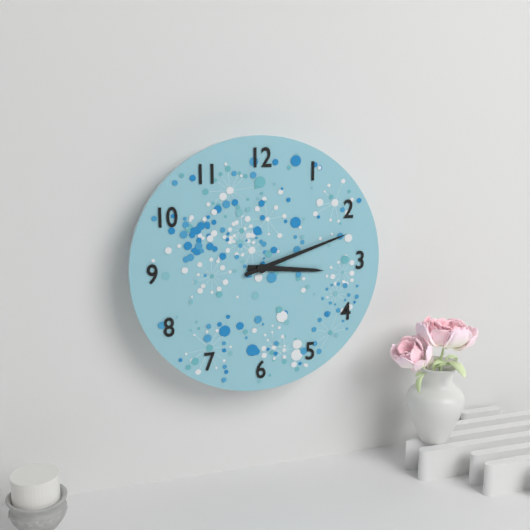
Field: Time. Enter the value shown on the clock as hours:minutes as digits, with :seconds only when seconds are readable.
3:12
